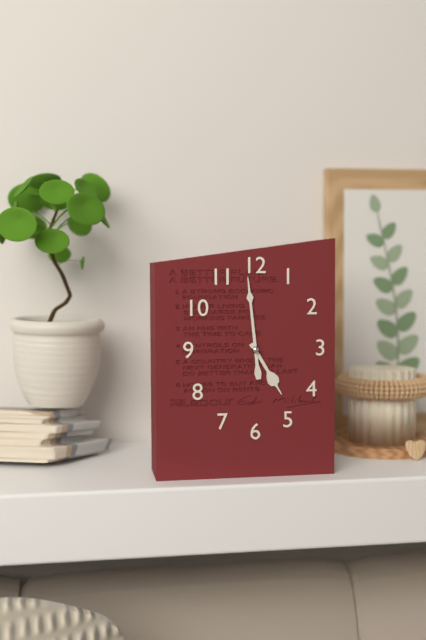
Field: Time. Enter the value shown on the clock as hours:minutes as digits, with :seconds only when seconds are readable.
4:59
